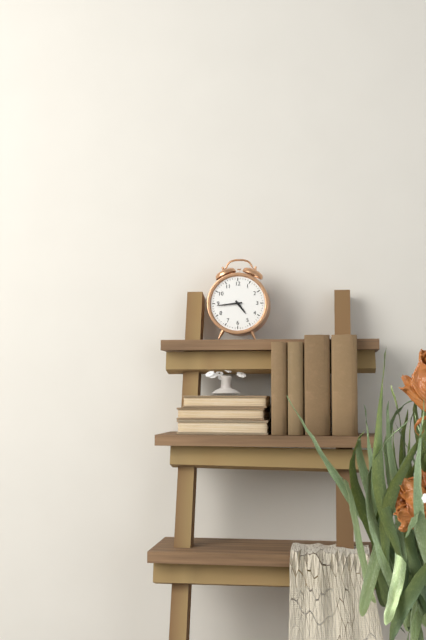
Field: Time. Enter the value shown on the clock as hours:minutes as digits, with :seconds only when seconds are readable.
4:44
